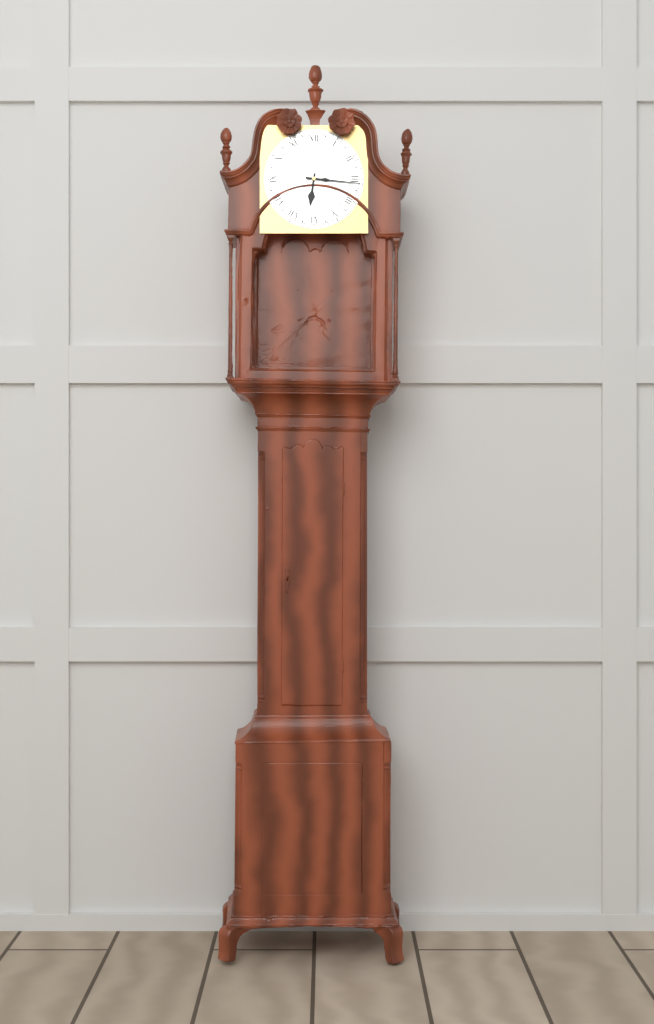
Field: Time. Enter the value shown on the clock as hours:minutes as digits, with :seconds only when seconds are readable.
6:16
